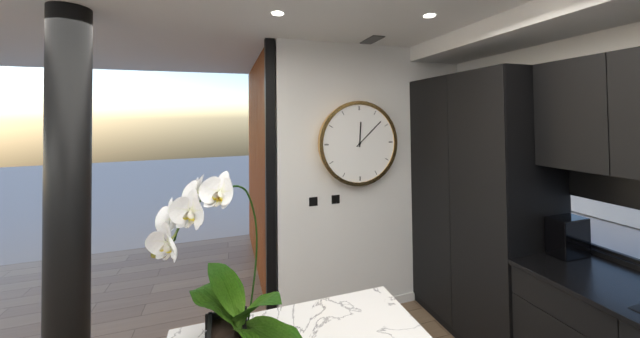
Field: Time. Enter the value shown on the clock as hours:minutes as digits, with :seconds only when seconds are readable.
12:08
